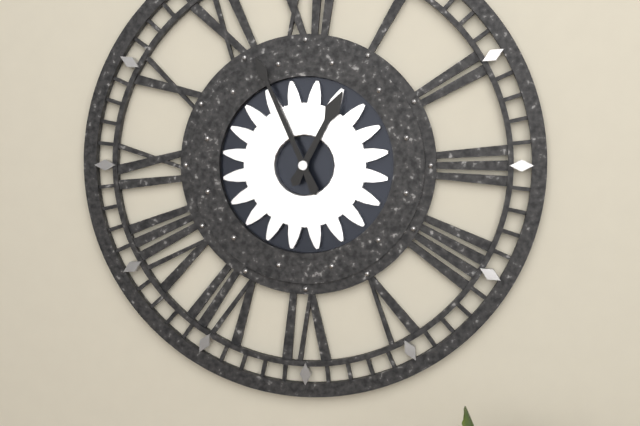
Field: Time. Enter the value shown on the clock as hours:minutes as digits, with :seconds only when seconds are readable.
12:56
